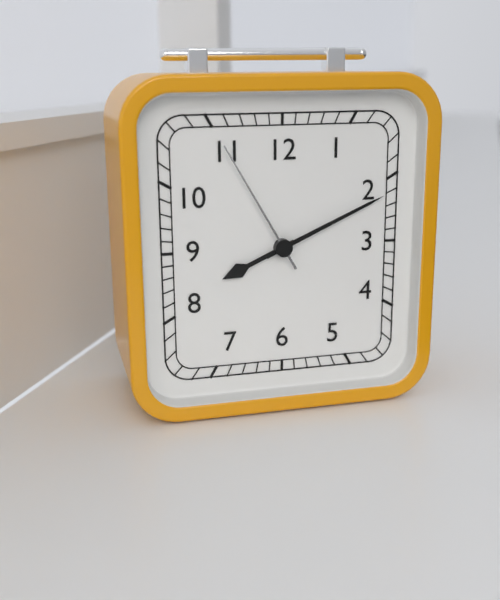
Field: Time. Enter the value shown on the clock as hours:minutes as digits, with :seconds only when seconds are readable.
8:11:55
